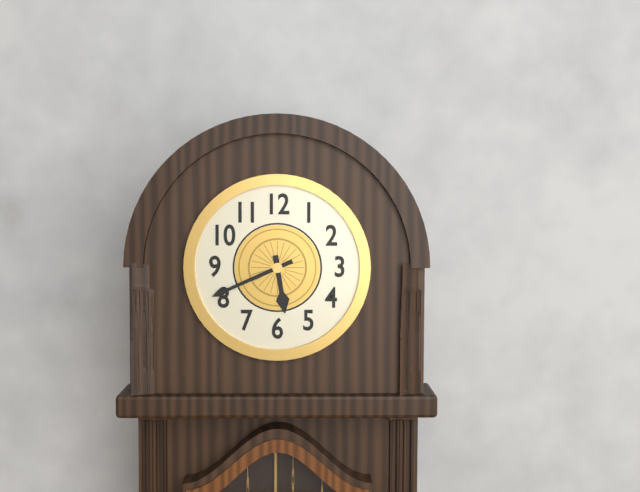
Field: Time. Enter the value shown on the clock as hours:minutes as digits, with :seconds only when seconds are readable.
5:41
